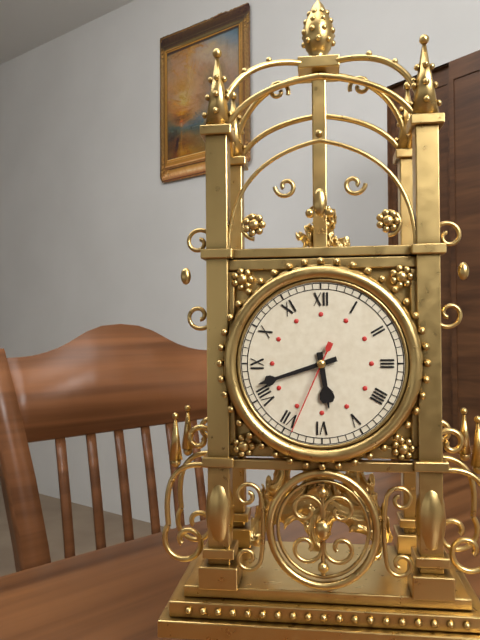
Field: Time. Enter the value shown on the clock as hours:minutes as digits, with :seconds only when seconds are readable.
5:42:34
